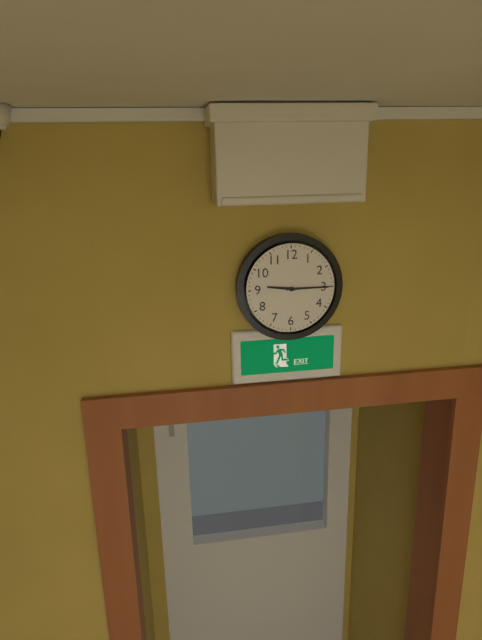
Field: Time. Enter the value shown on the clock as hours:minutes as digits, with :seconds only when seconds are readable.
9:15
